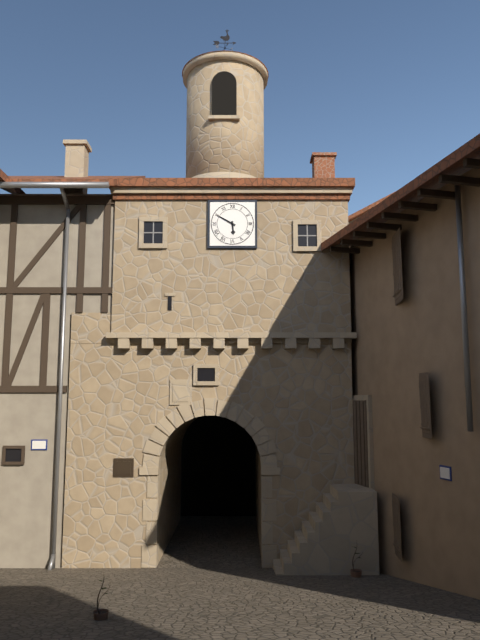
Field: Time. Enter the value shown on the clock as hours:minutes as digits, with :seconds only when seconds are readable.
5:50
